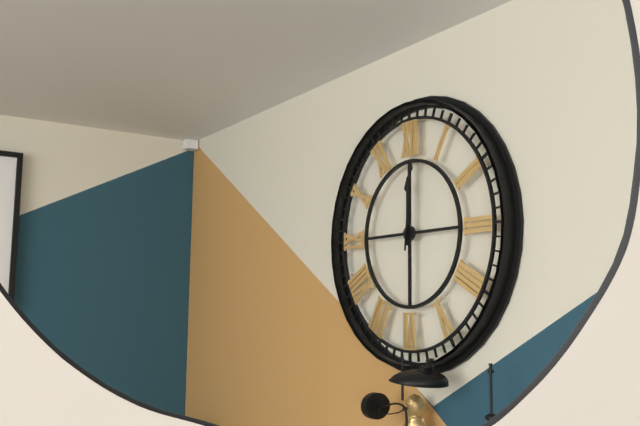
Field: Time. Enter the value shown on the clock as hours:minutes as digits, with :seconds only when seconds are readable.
12:01
